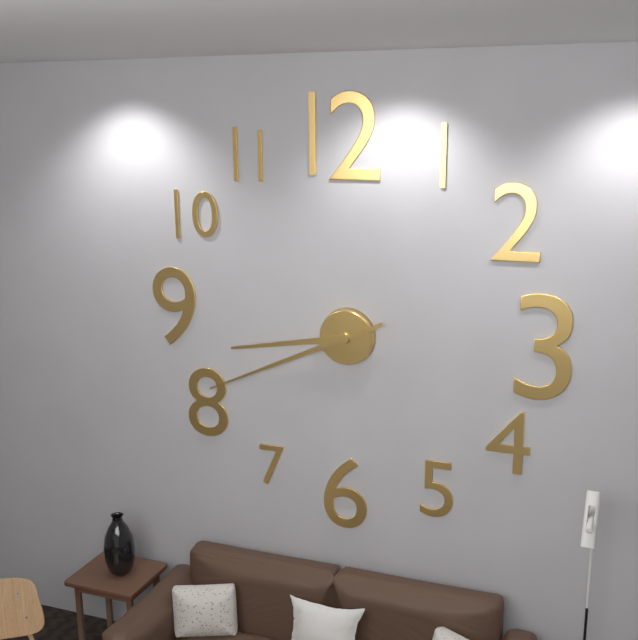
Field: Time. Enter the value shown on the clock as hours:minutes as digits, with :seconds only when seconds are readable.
8:41
